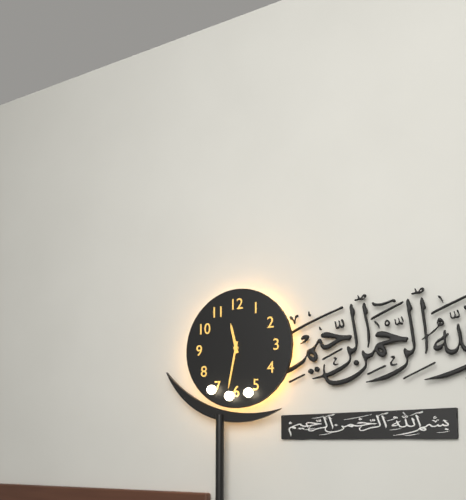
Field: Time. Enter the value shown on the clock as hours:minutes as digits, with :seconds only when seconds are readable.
11:32
